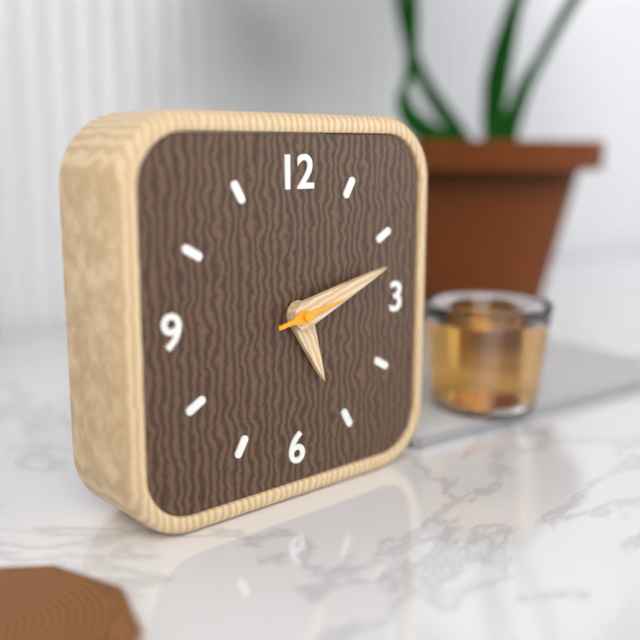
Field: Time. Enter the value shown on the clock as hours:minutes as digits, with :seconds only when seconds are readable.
5:12
